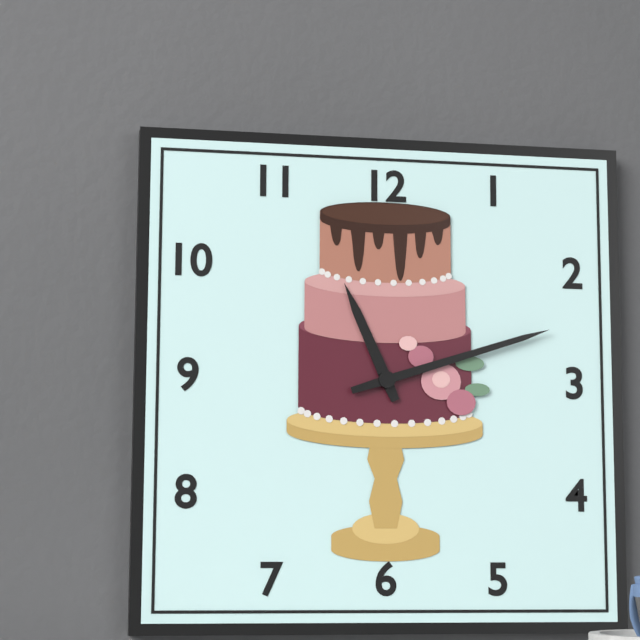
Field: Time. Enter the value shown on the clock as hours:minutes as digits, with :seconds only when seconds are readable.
11:12
